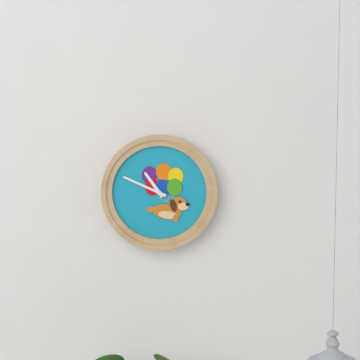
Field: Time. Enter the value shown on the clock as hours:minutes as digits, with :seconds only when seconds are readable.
10:49
